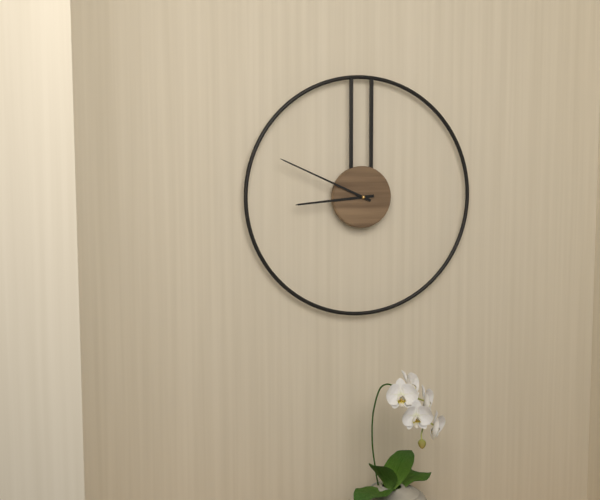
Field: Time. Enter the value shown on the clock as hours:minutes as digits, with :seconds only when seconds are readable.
8:49
